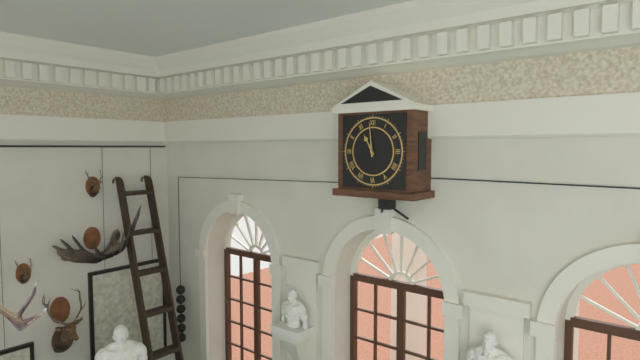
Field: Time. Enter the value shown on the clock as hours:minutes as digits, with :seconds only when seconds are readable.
10:59
